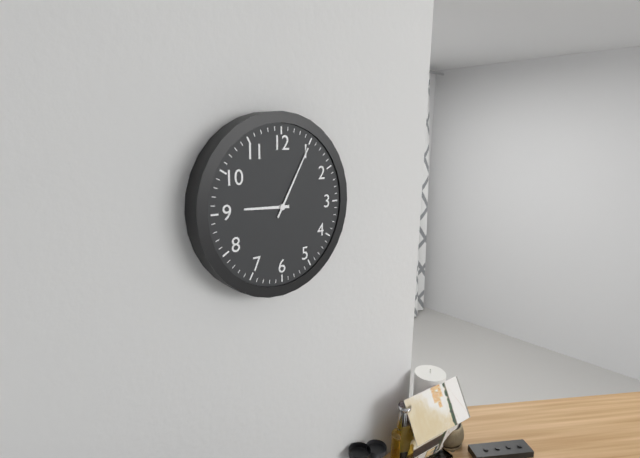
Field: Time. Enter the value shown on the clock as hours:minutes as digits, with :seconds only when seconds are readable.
9:05
